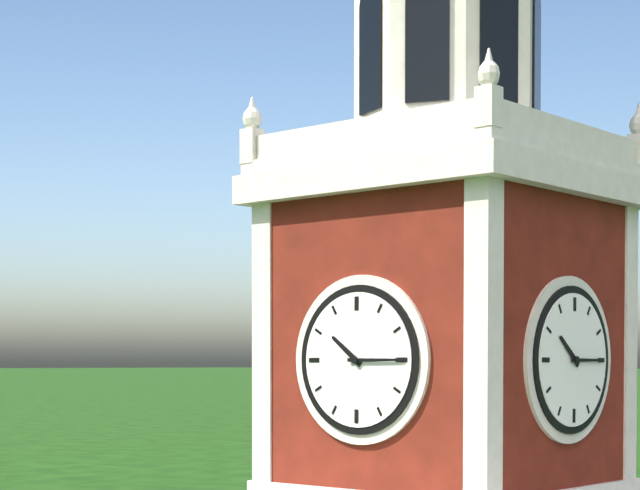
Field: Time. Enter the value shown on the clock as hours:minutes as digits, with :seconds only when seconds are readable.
10:15
